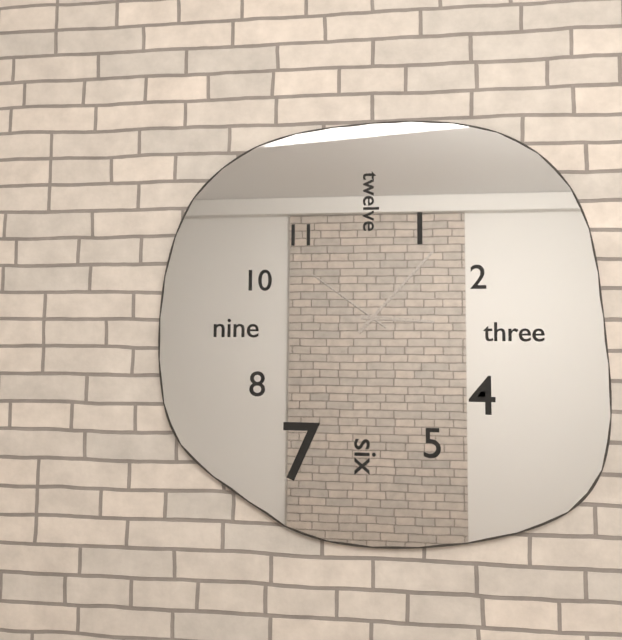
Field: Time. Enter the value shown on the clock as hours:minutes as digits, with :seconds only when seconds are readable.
3:07:51
